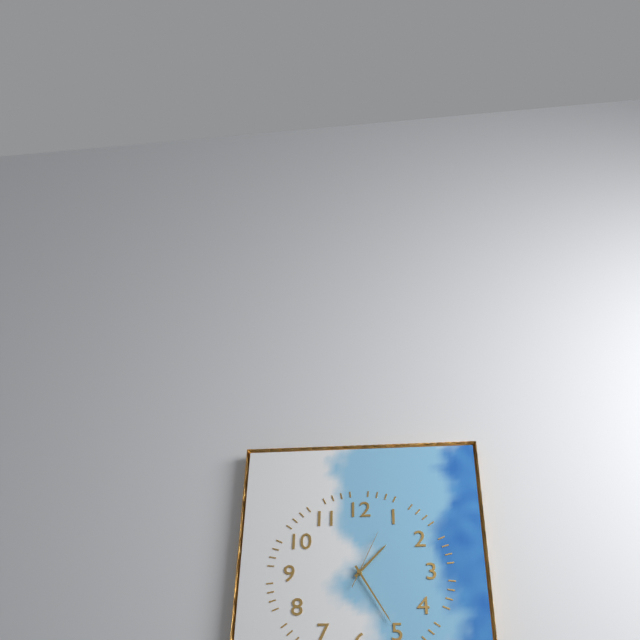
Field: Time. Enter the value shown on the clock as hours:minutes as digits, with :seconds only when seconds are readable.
1:25:04
